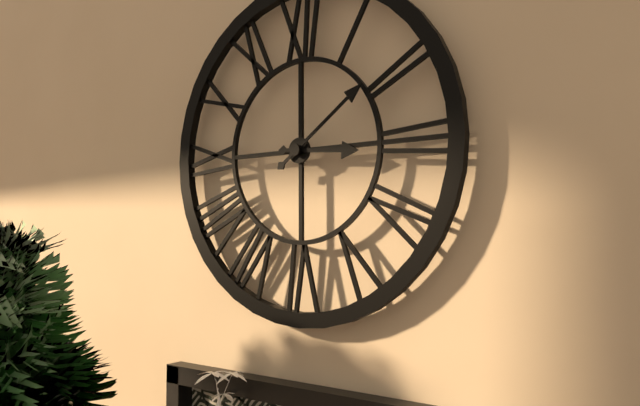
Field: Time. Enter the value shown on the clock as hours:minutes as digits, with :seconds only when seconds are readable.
3:09
